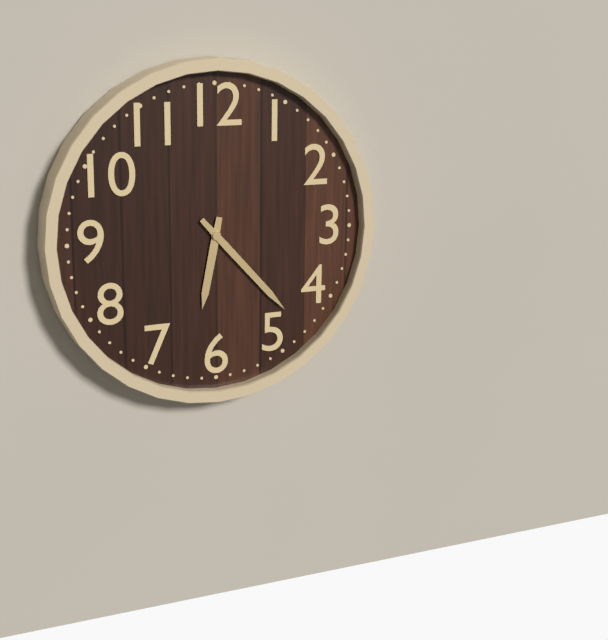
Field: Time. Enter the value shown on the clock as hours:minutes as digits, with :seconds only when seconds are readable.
6:23
